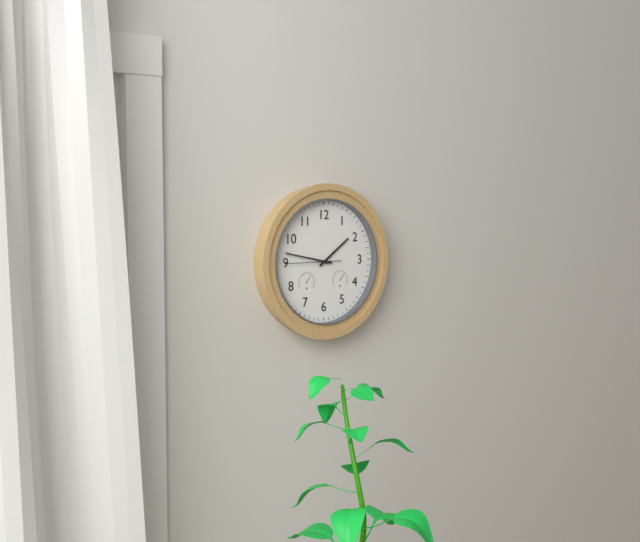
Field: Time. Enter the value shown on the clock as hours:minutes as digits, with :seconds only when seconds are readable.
1:47
